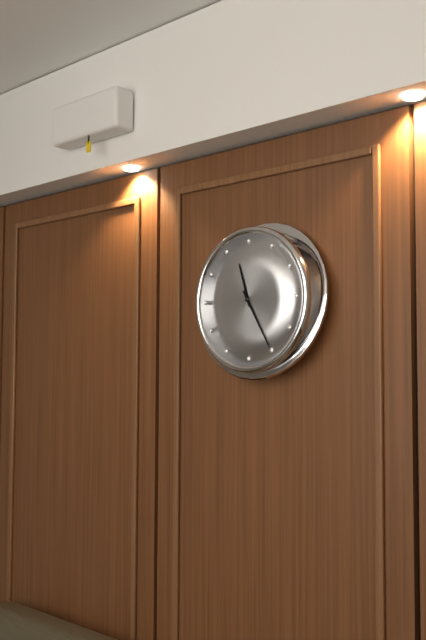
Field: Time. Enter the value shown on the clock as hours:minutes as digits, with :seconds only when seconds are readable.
11:25
